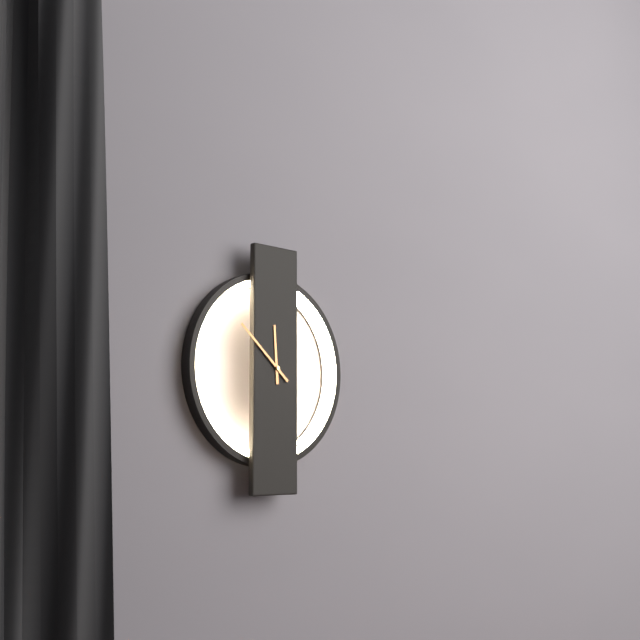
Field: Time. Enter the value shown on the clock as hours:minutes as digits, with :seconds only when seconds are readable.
11:52
